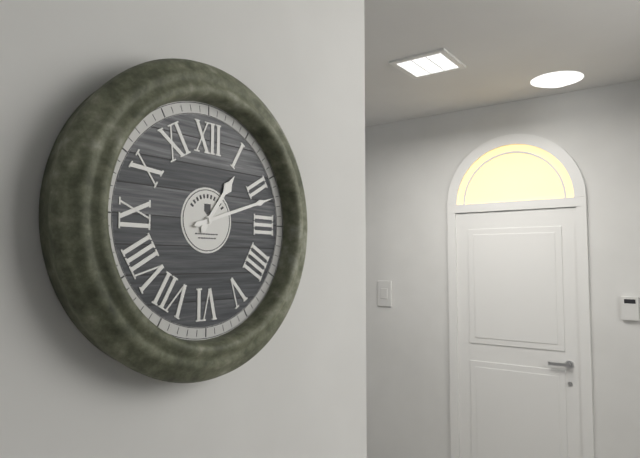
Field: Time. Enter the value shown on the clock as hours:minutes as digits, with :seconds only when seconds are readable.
1:12
